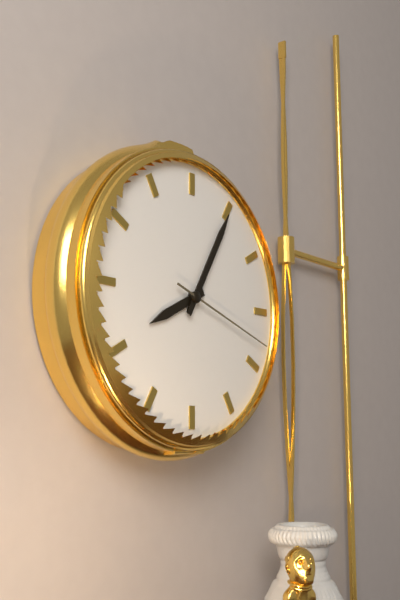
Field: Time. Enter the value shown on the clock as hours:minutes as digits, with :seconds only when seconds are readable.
8:05:18
